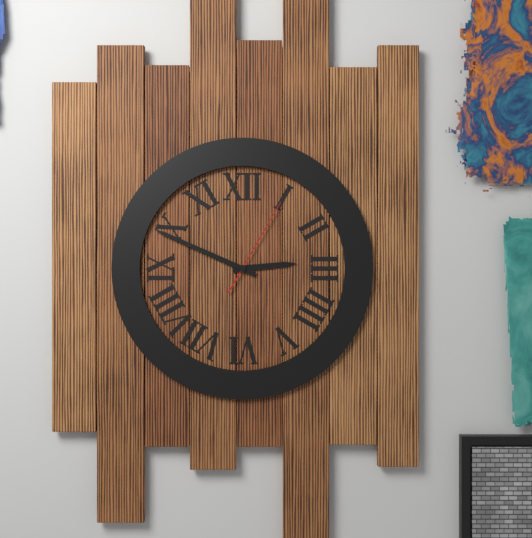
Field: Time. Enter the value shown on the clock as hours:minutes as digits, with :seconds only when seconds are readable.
2:49:05
